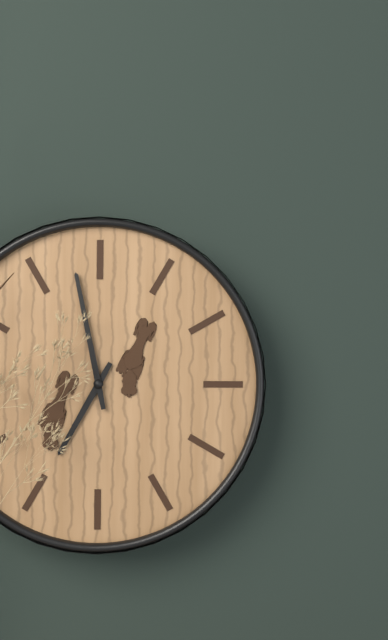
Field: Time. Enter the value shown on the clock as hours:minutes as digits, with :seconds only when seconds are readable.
6:58
